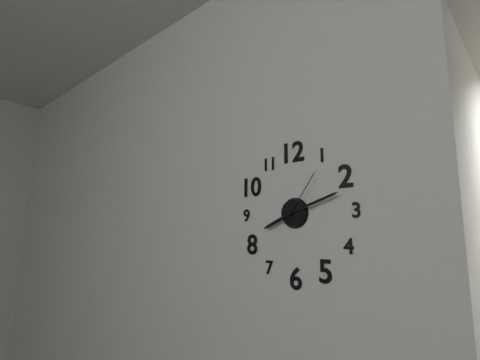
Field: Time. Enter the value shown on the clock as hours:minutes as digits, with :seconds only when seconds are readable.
8:12:06
